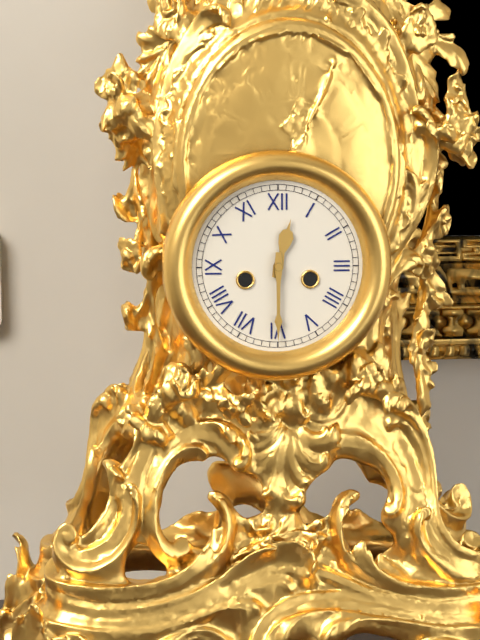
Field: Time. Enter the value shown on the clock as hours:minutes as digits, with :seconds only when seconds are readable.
12:30
